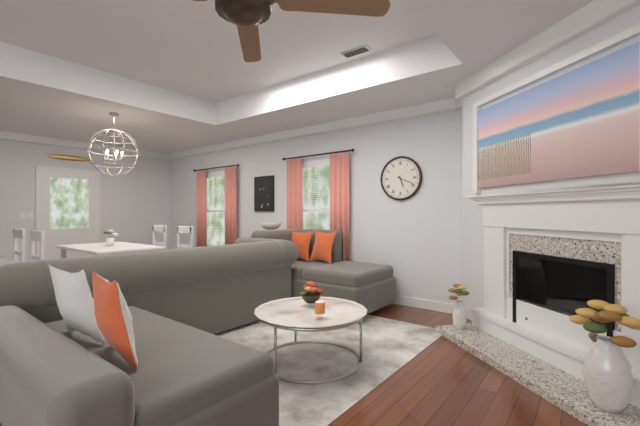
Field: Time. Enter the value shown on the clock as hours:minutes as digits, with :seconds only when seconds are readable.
5:19
